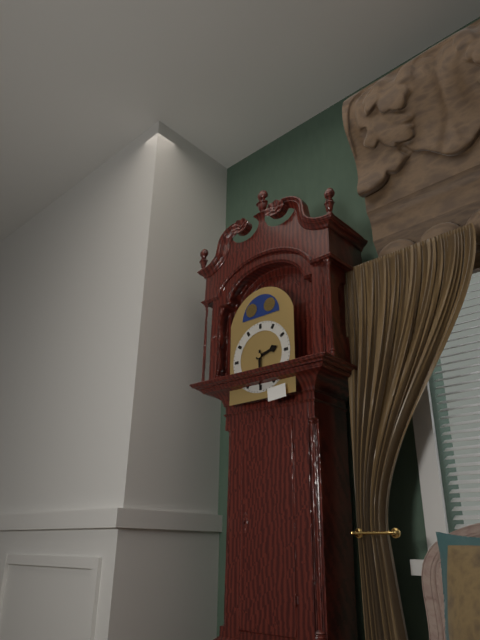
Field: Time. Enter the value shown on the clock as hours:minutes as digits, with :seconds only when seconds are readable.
2:30
